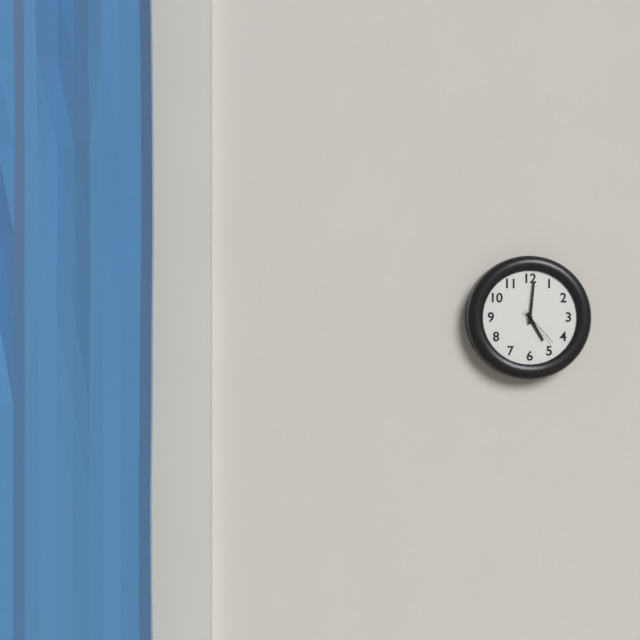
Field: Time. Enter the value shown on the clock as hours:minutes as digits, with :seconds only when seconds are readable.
5:01
